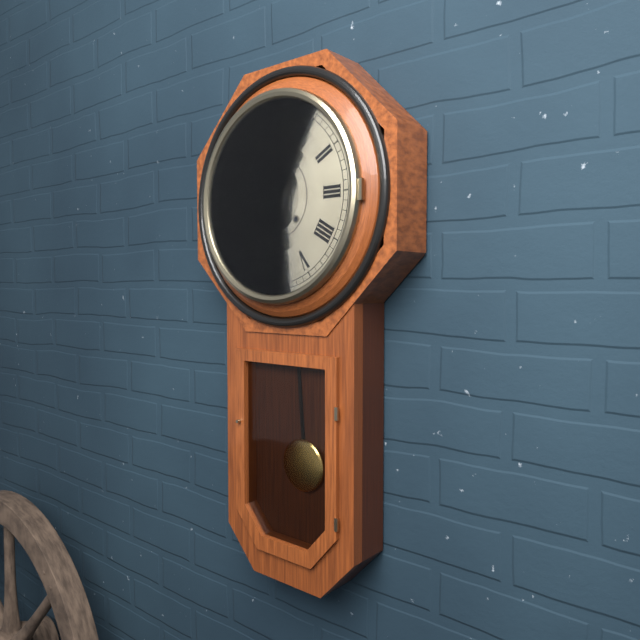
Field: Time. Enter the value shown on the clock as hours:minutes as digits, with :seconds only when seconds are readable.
11:53
